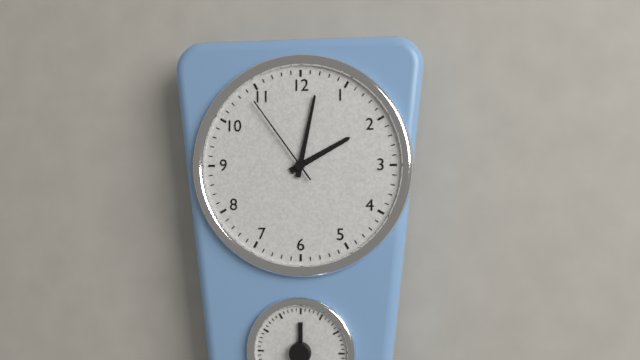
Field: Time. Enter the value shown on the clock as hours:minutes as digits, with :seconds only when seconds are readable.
2:02:54
